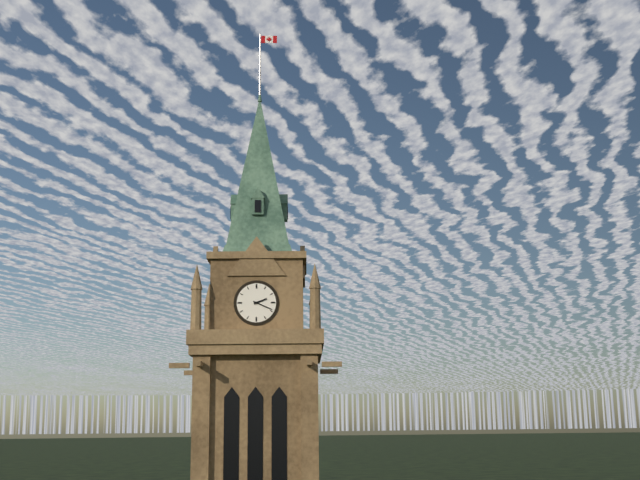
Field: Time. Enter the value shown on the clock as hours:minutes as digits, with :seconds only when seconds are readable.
2:19
